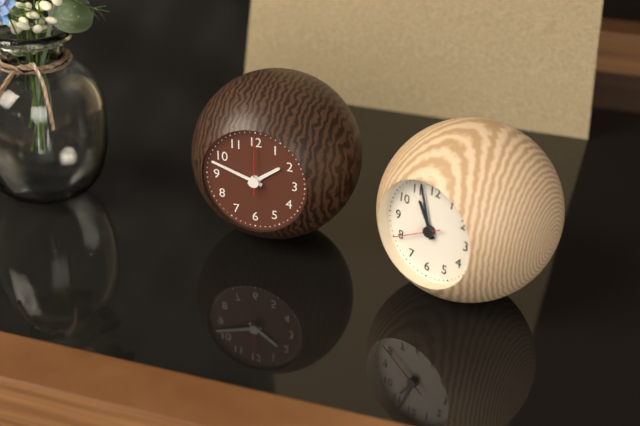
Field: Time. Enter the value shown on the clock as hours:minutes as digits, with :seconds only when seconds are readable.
1:48:00
